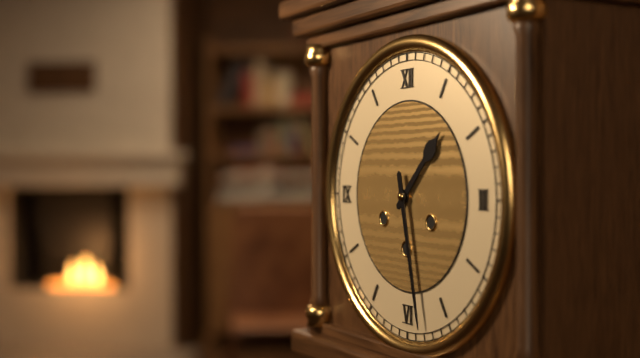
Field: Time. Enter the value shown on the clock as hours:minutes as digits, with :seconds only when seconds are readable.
1:28
